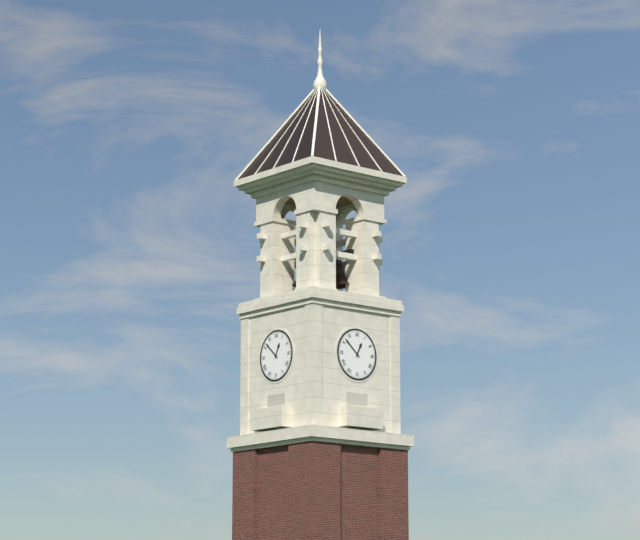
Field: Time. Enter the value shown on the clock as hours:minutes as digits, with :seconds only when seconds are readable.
12:52
